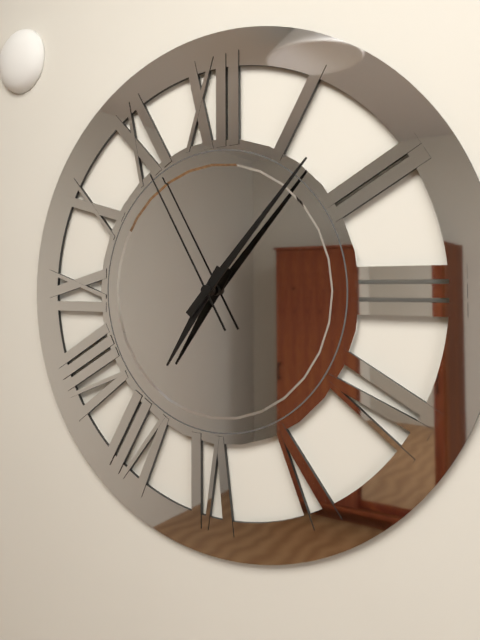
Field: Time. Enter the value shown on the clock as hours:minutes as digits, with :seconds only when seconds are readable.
7:07:55
